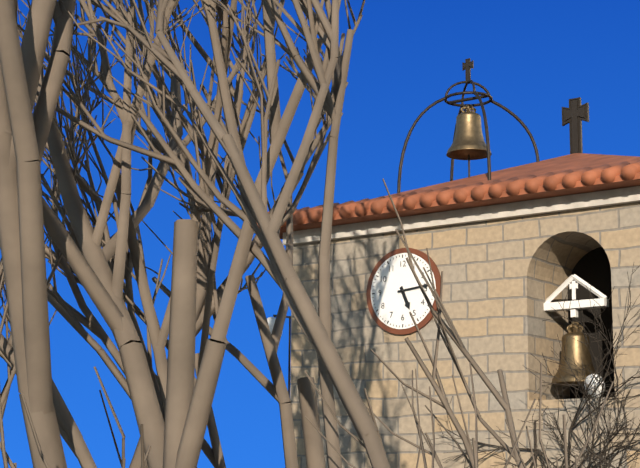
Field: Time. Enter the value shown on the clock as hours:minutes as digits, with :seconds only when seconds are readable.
5:14
